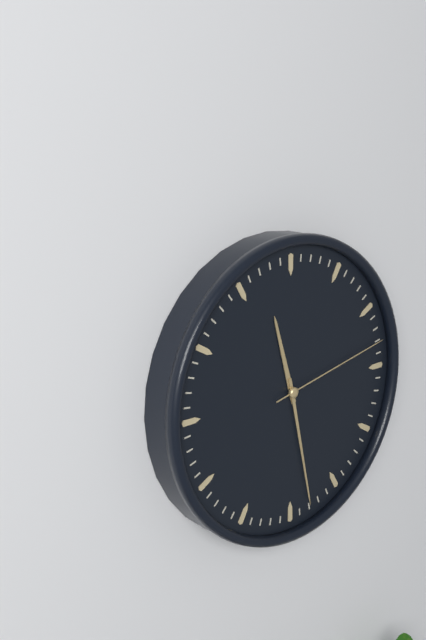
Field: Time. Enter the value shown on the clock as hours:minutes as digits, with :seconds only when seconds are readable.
11:28:13
